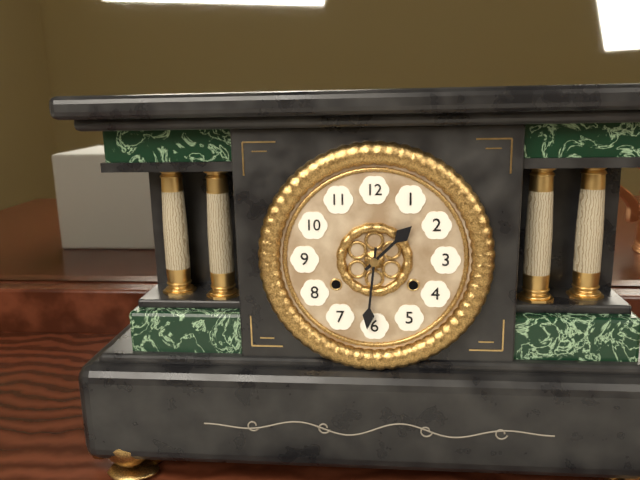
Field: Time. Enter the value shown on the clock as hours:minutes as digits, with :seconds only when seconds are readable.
1:31
